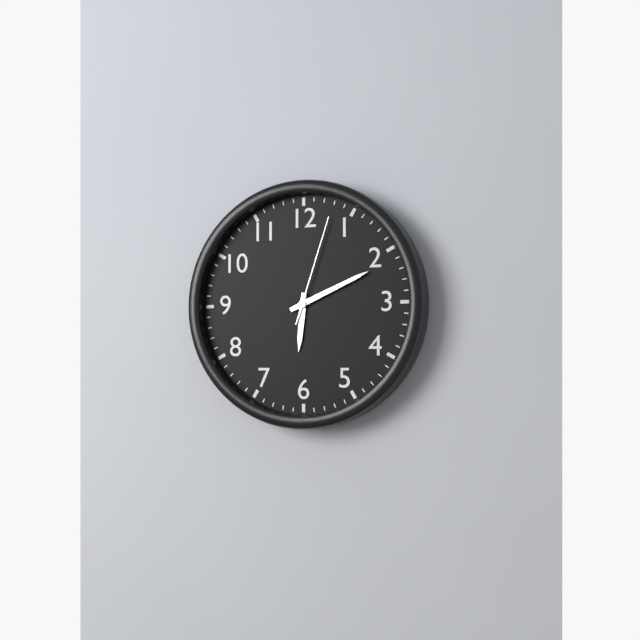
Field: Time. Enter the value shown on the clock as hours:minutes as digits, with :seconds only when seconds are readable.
6:11:03
